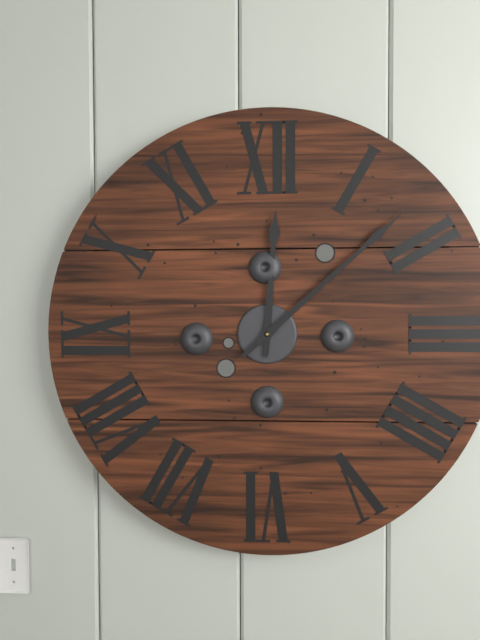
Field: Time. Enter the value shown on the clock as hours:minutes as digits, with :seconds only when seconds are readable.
12:08
